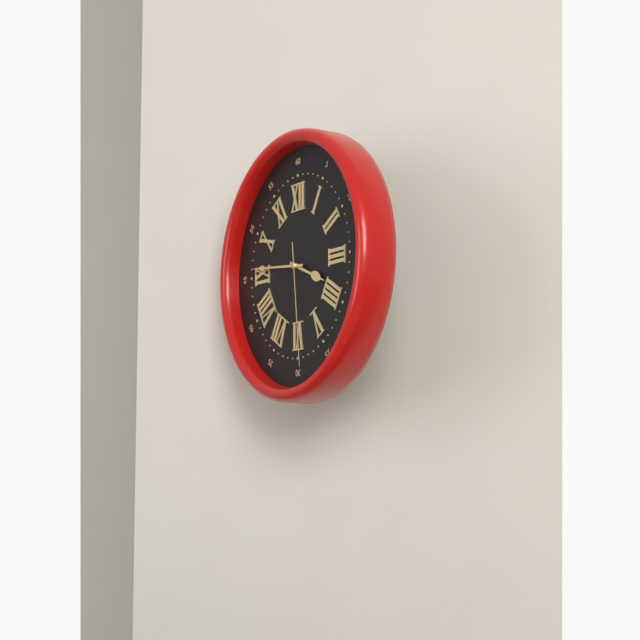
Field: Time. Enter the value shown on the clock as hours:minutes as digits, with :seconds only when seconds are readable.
3:46:29
